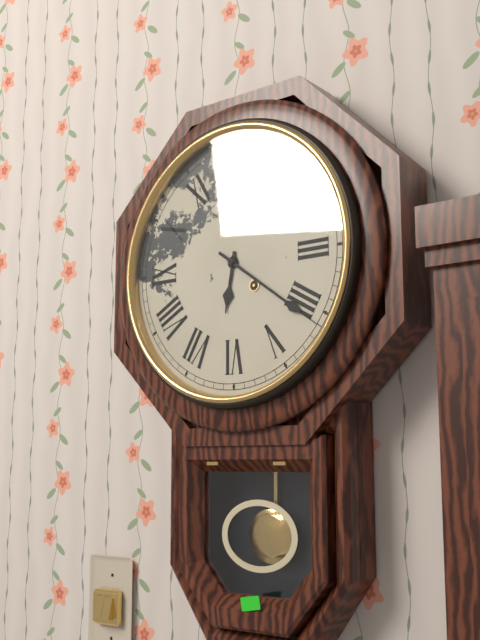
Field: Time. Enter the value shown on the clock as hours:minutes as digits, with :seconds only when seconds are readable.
6:21
